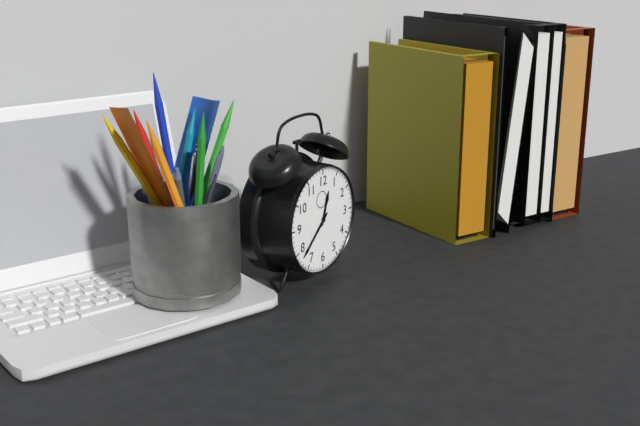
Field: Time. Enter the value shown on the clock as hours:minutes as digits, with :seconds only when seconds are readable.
12:38
